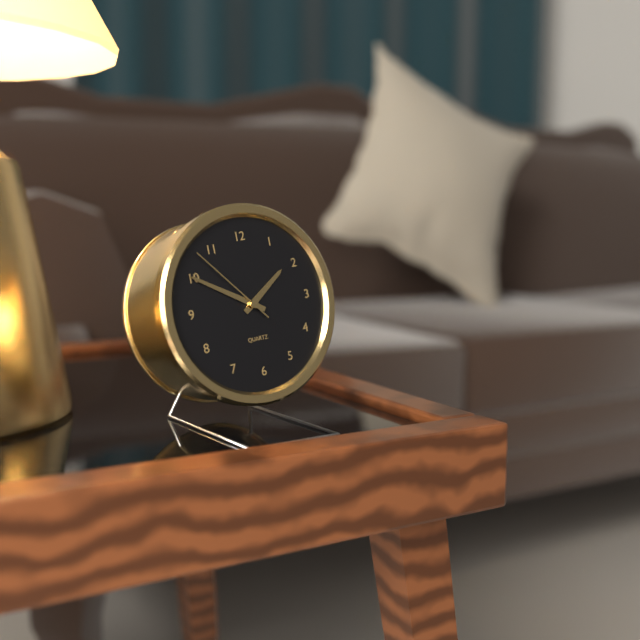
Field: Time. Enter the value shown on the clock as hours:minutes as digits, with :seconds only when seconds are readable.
1:50:53
